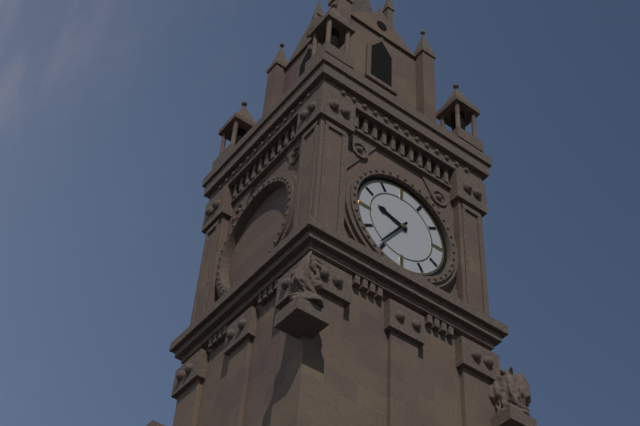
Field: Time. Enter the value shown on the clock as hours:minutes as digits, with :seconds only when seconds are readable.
9:36
